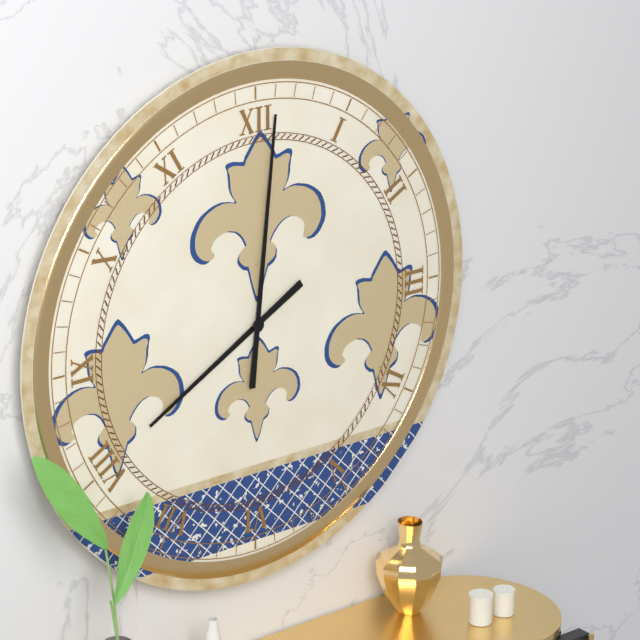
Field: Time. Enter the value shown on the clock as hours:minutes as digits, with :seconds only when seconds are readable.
8:01
